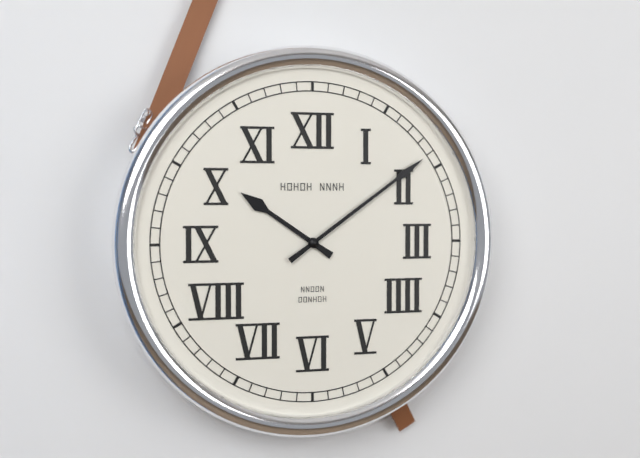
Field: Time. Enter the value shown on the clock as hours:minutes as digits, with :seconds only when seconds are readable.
10:09
